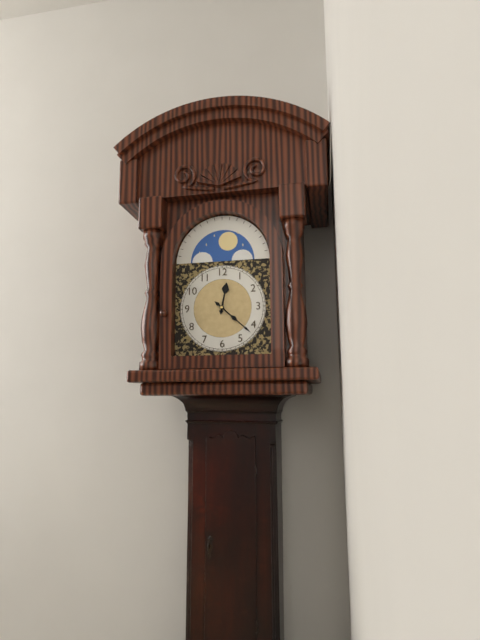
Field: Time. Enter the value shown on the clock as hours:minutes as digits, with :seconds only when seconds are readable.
12:22
